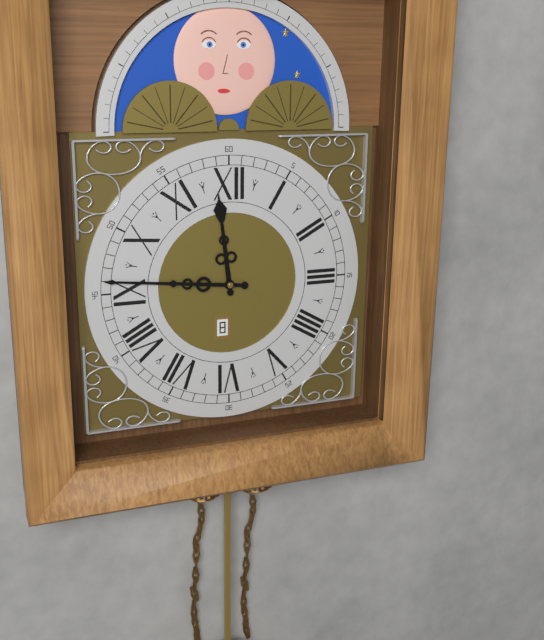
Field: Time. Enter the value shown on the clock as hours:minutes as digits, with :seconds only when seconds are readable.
11:46
